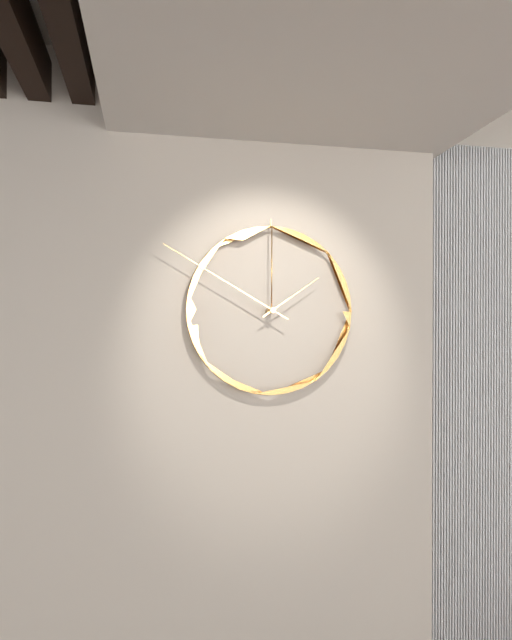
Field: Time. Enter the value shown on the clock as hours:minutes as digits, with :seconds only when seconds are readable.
1:50
